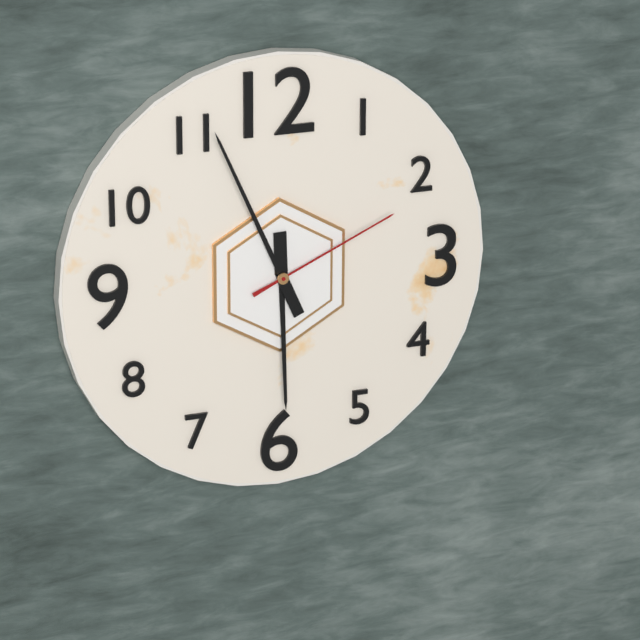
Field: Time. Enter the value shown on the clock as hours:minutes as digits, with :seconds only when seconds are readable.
5:56:11
